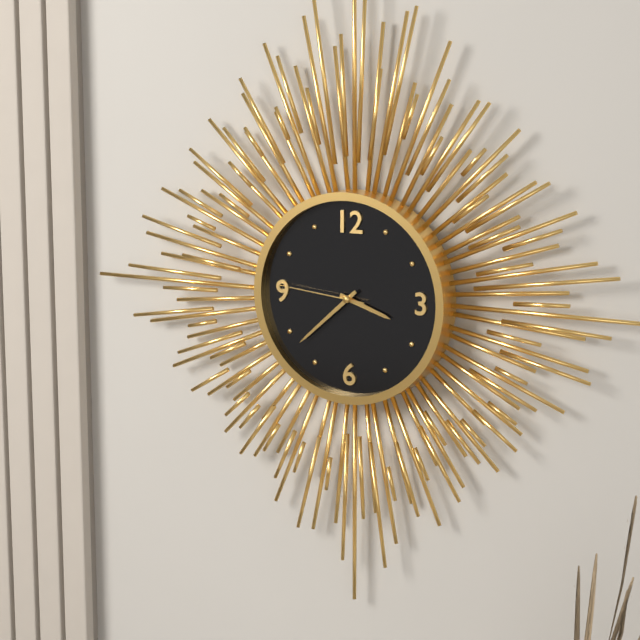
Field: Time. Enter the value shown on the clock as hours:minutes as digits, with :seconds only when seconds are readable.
3:38:46
